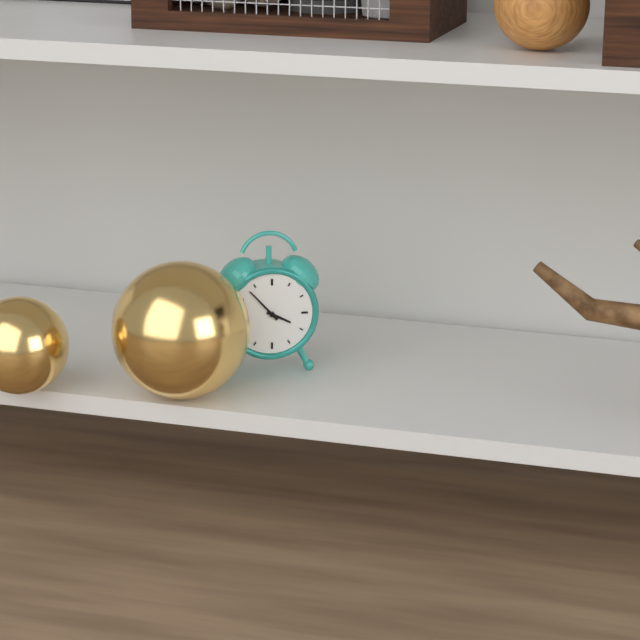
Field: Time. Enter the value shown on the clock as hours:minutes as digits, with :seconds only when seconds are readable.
3:53
